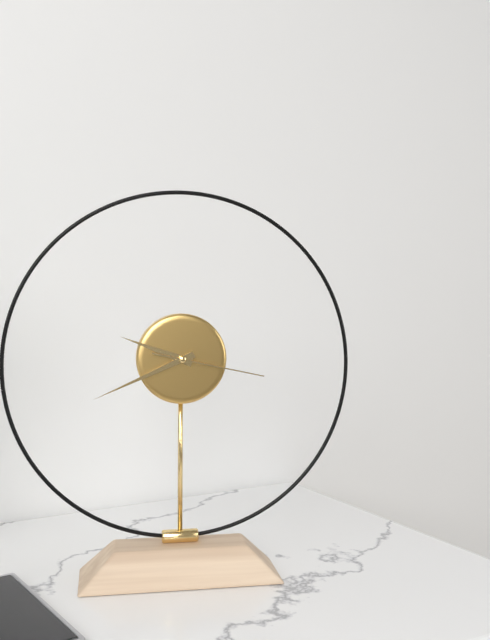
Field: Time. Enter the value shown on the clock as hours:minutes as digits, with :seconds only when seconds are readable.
9:41:17
